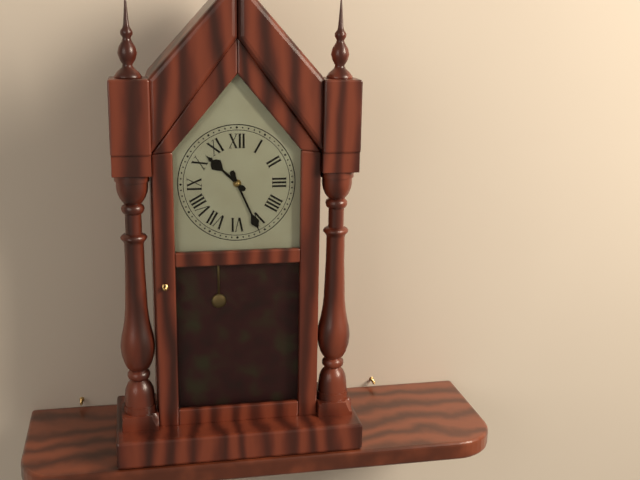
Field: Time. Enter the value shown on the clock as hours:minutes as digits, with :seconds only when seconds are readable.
10:26
